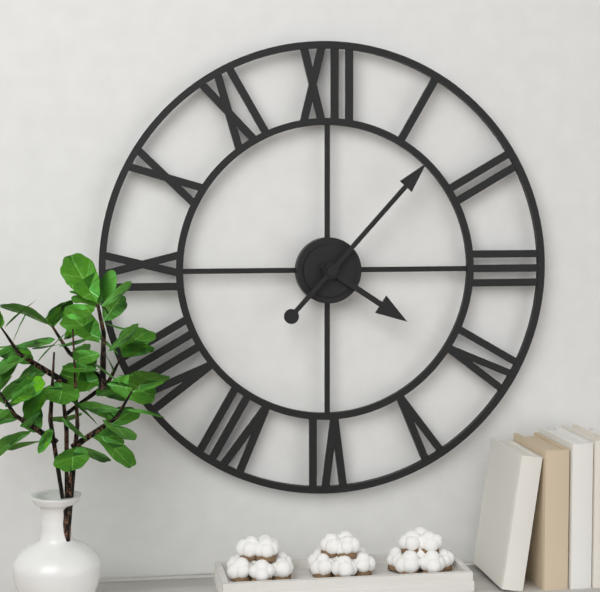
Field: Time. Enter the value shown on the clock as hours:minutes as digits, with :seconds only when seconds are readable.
4:07
